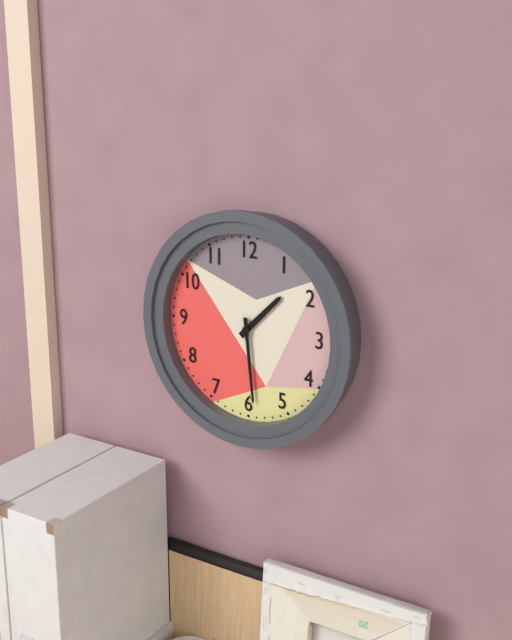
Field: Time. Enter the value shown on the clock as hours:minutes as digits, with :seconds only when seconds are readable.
1:29
